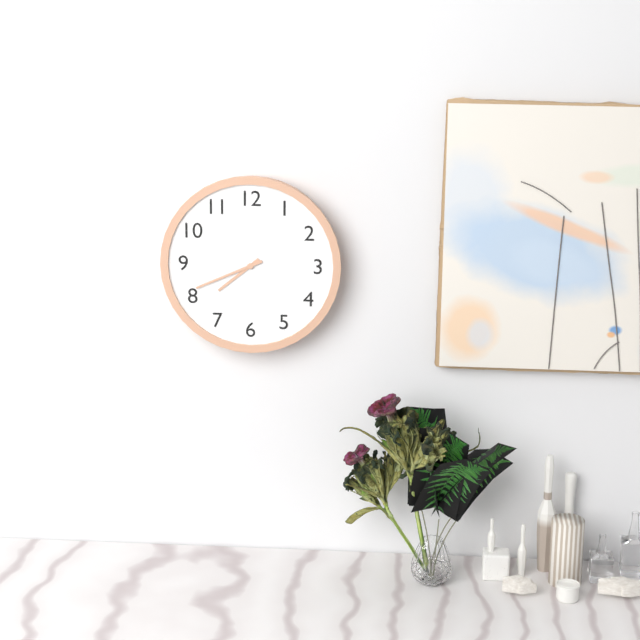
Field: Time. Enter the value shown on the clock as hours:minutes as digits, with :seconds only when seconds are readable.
7:41
